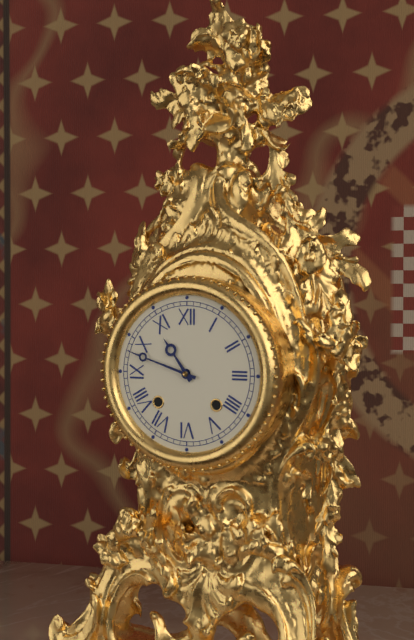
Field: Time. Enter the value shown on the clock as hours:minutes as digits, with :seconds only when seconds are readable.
10:48
